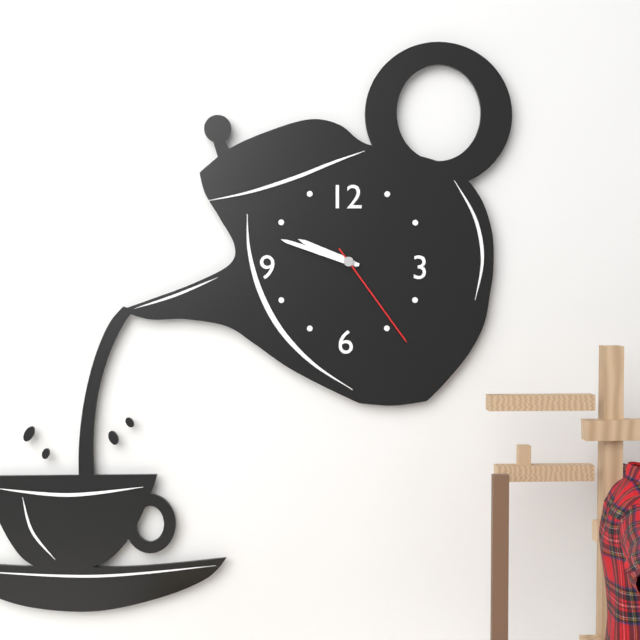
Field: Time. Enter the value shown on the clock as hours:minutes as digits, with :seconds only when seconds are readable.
9:48:24
